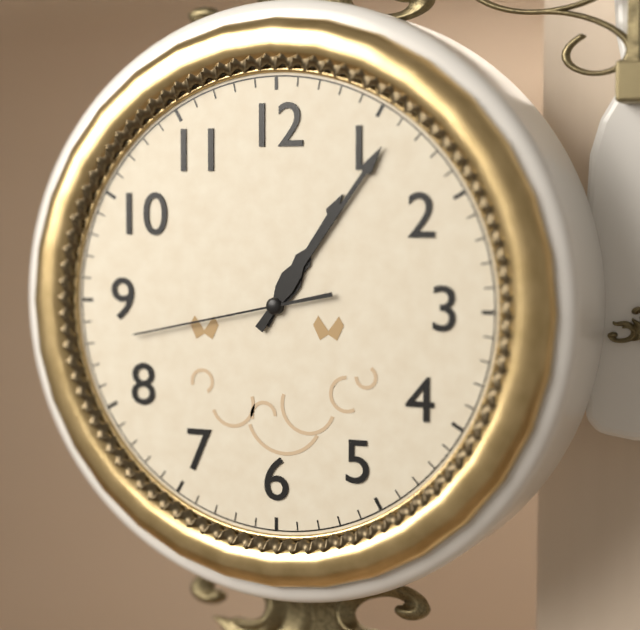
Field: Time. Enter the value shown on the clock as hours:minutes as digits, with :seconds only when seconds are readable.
1:06:43
